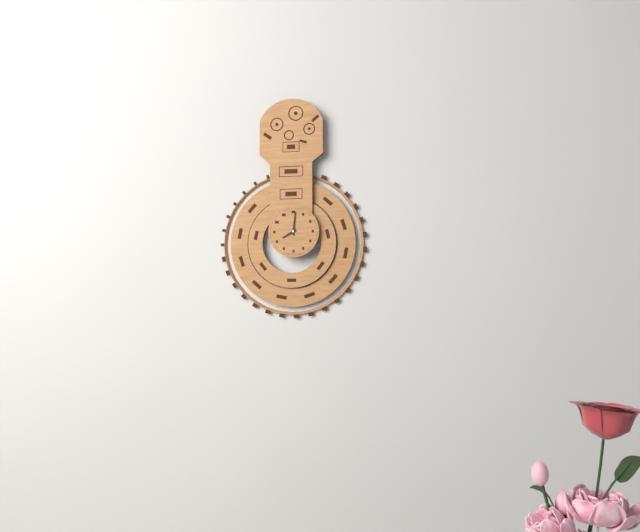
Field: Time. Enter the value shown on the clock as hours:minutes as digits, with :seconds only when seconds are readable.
8:01
